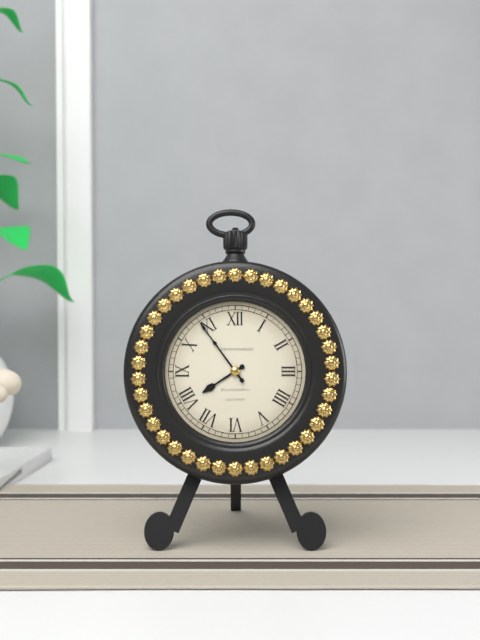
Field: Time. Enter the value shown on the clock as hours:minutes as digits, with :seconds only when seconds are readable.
7:54
